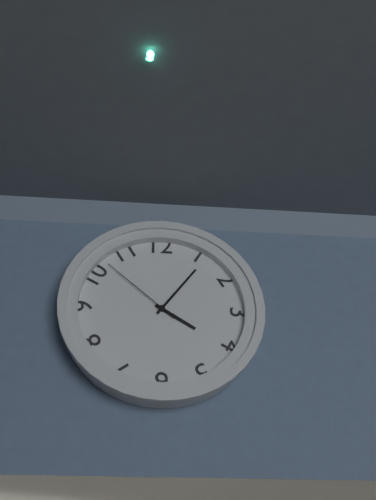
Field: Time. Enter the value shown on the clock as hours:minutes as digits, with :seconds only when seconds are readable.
4:06:52
